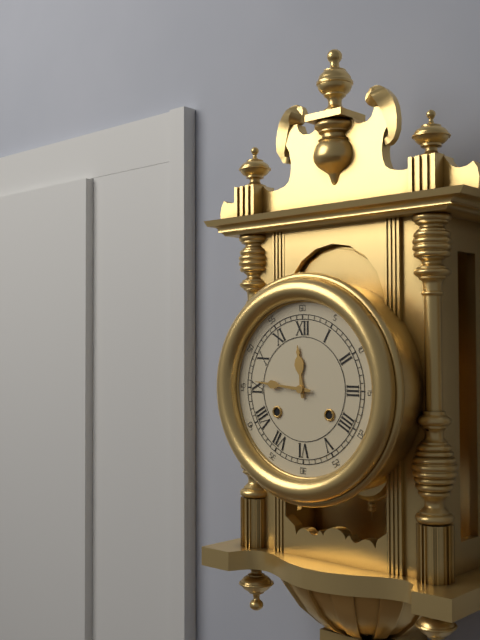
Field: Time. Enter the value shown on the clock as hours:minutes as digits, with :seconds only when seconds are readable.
11:46
